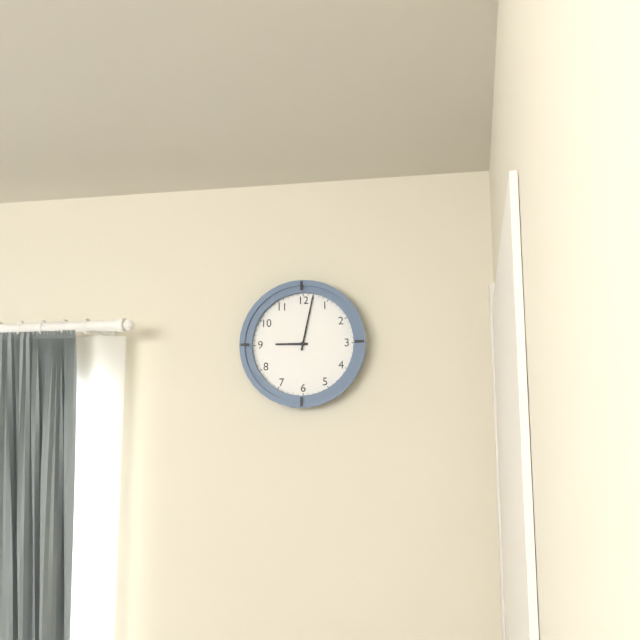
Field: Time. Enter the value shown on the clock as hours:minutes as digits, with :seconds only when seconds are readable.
9:02
